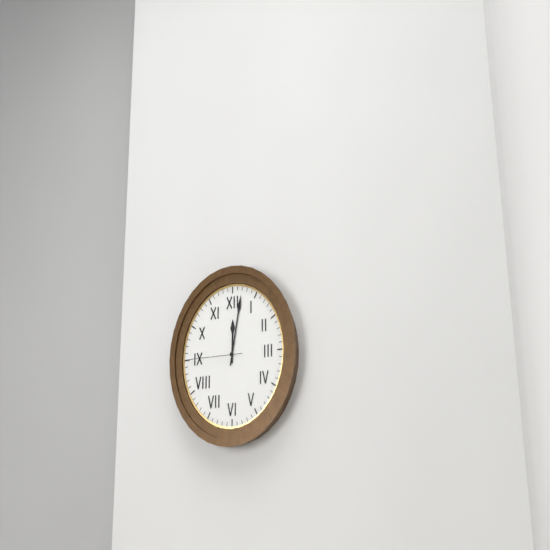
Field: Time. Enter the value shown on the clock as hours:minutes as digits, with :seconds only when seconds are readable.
12:02:45
